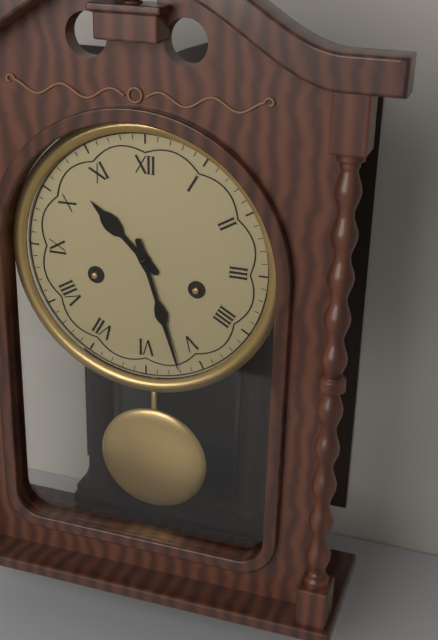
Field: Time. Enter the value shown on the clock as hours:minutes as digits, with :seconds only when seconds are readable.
10:27
